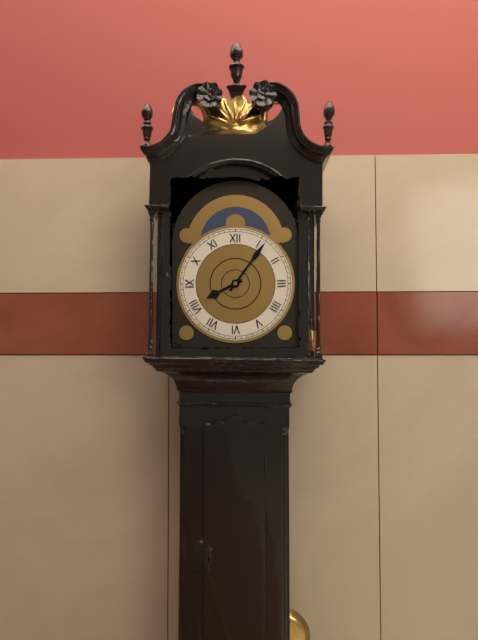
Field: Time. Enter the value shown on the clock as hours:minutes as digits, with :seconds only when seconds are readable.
8:06
